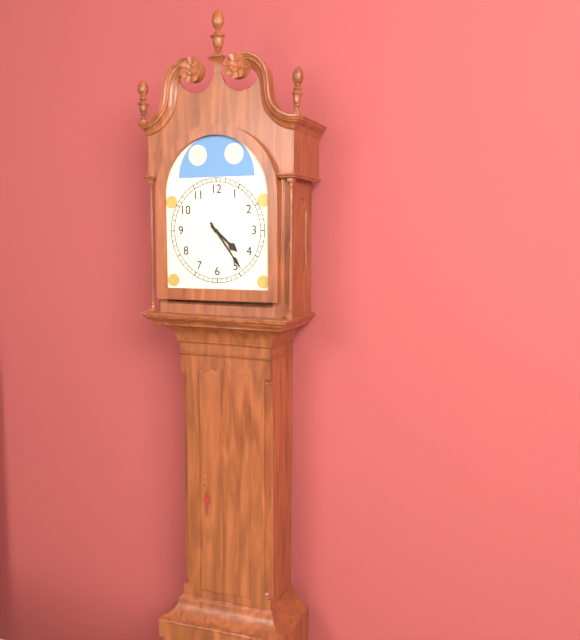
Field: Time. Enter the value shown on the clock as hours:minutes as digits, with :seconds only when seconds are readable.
4:24
